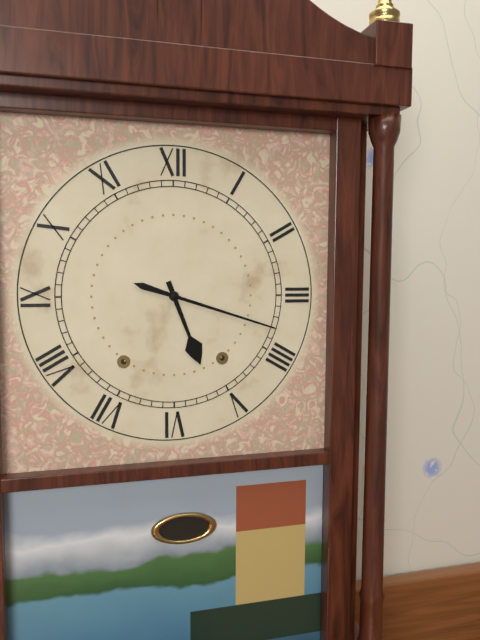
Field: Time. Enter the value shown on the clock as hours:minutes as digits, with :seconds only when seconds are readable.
5:18
